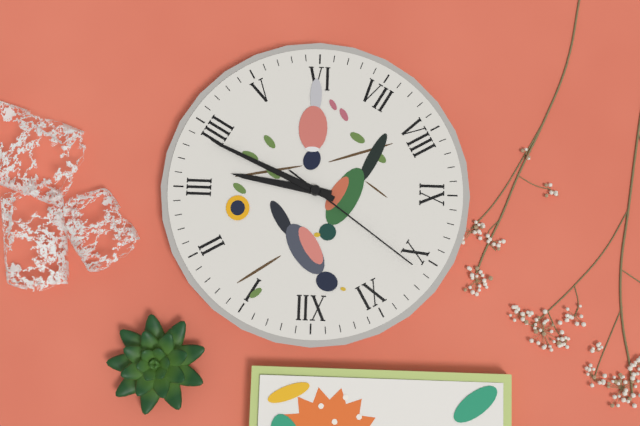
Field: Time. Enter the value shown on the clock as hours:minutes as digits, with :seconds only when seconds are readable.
3:19:51
